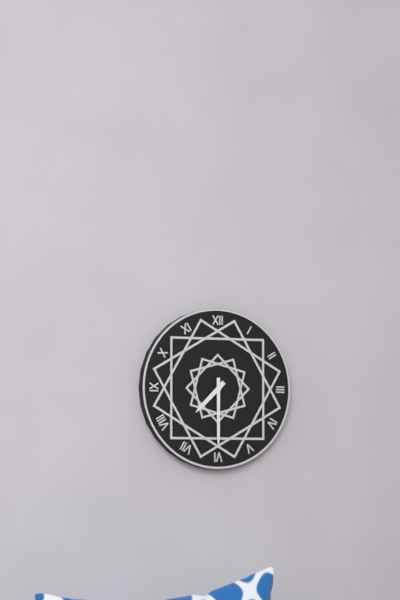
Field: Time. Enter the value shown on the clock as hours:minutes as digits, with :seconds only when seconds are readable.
7:30
